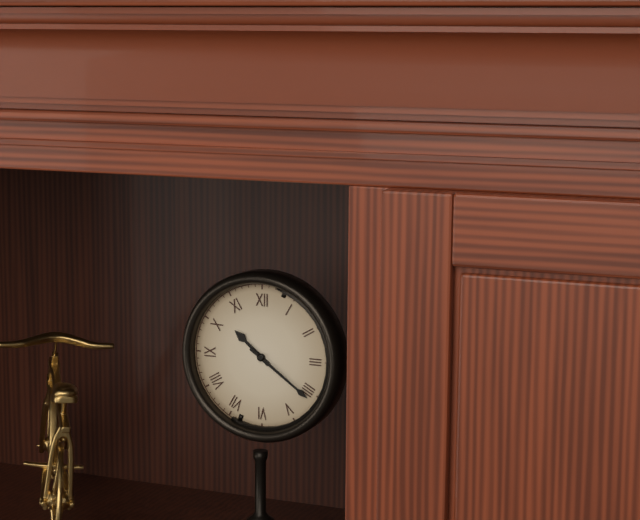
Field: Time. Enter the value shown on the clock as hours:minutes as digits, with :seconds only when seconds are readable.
10:21
